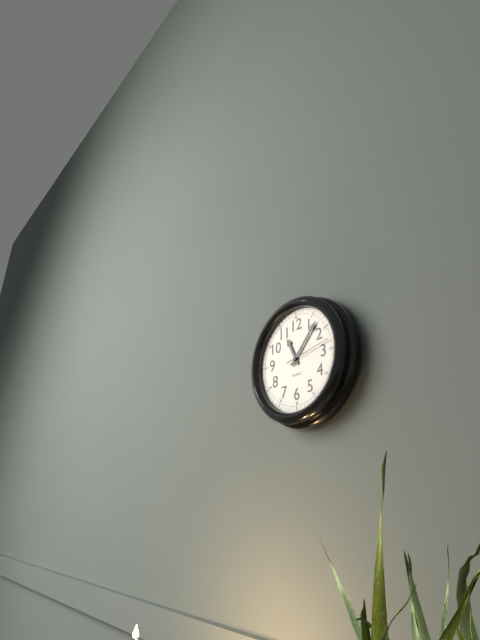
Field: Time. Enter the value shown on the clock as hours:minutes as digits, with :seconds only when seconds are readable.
11:07
